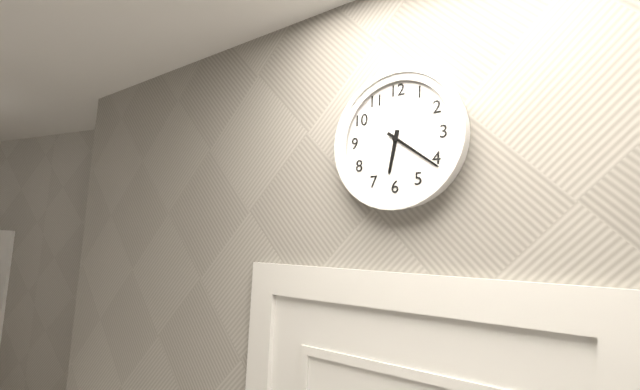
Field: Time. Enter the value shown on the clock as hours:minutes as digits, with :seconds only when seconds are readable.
6:21
